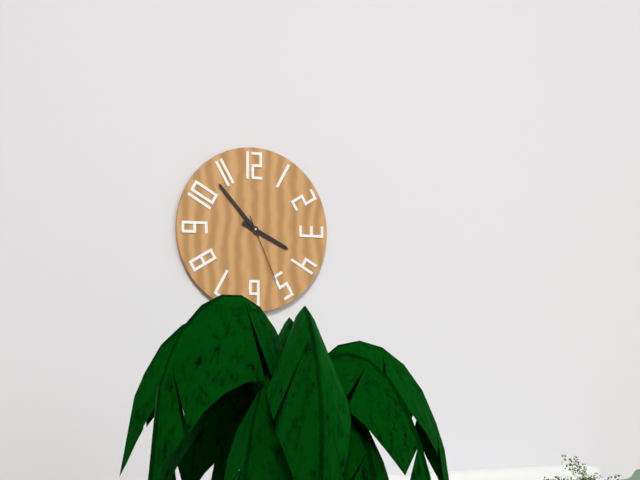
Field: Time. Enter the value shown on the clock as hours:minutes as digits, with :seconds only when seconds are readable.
3:53:26
